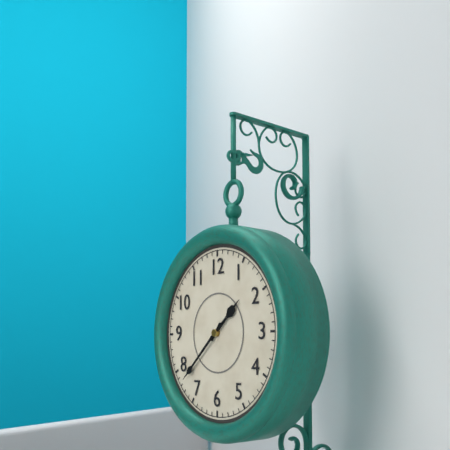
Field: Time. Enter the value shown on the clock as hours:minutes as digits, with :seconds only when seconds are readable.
1:38
